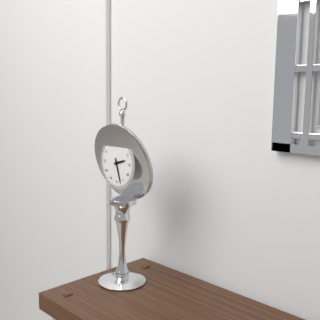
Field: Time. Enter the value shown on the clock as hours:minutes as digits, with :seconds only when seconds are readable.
2:27
